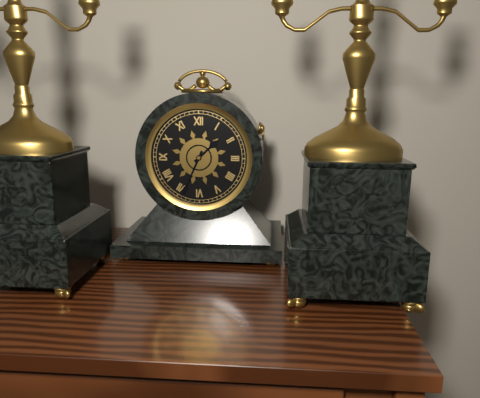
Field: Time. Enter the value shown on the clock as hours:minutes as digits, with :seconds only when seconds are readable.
1:34
